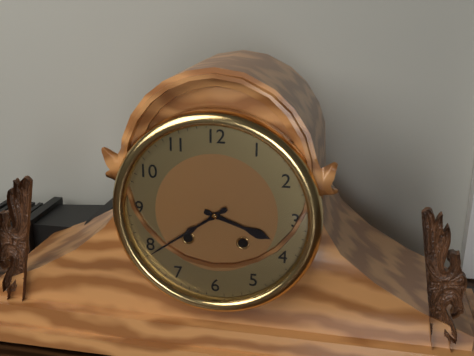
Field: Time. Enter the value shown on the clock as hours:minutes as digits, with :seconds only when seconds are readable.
3:39
